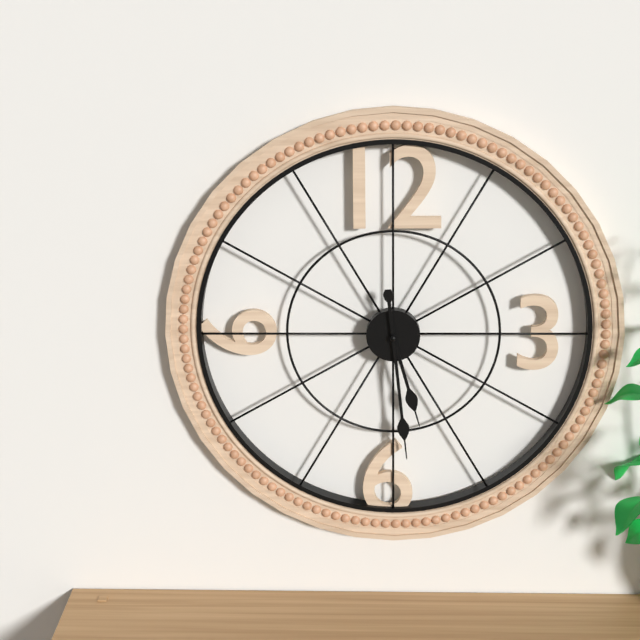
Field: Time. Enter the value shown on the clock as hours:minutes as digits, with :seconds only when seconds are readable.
5:29
